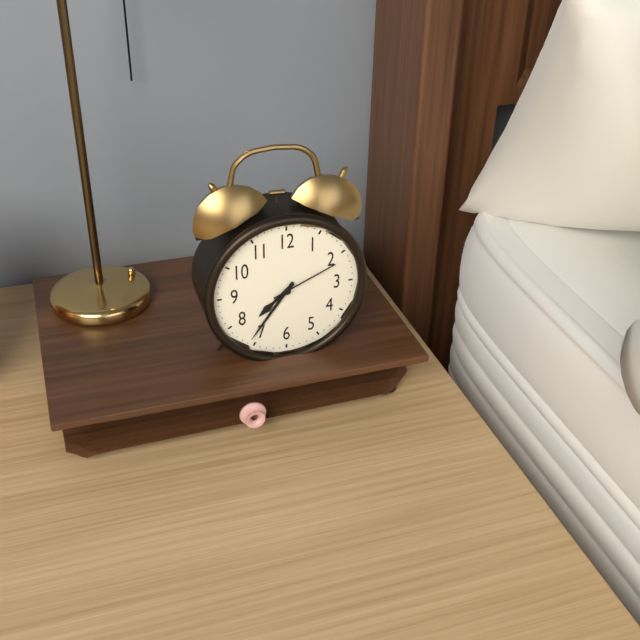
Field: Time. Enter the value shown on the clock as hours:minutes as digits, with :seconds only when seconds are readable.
7:36:11
